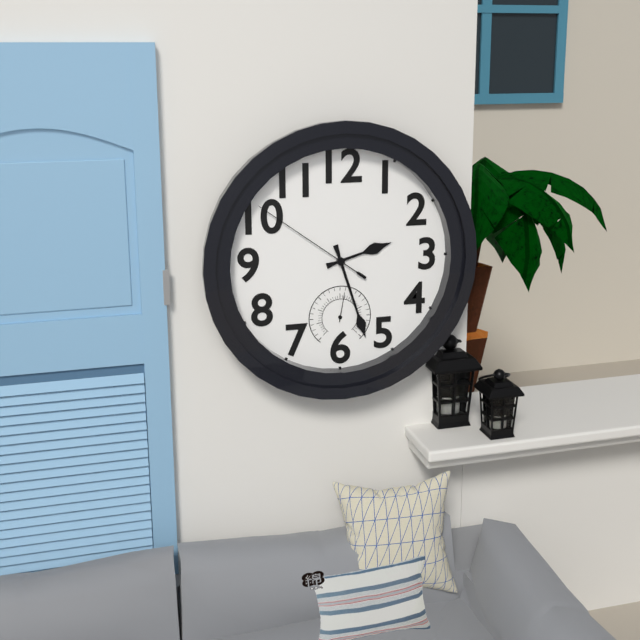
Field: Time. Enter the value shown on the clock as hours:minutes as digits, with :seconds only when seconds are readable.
2:27:51
